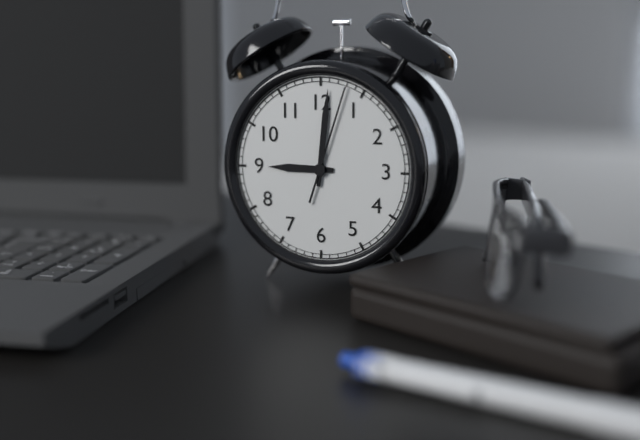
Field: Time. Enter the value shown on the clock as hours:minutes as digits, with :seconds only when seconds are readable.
9:01:03
